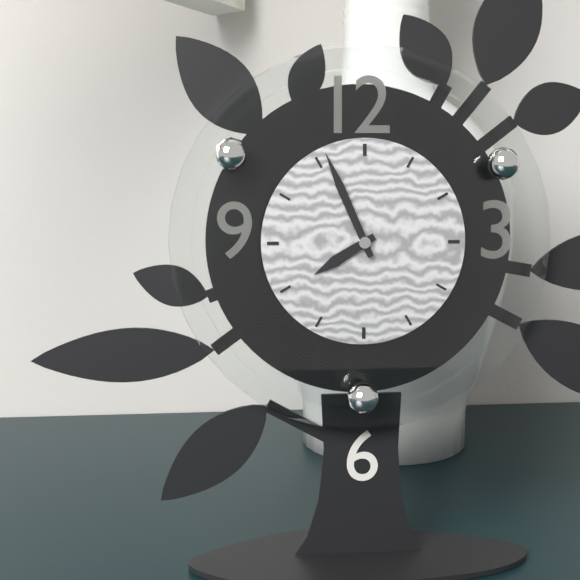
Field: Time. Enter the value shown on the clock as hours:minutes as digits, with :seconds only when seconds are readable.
7:56
